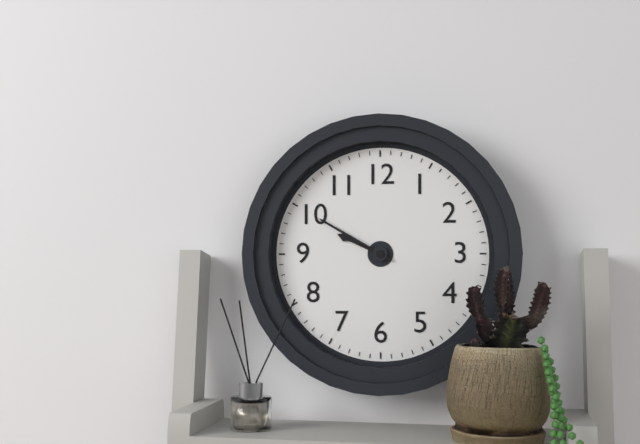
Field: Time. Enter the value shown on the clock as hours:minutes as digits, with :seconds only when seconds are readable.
9:50
